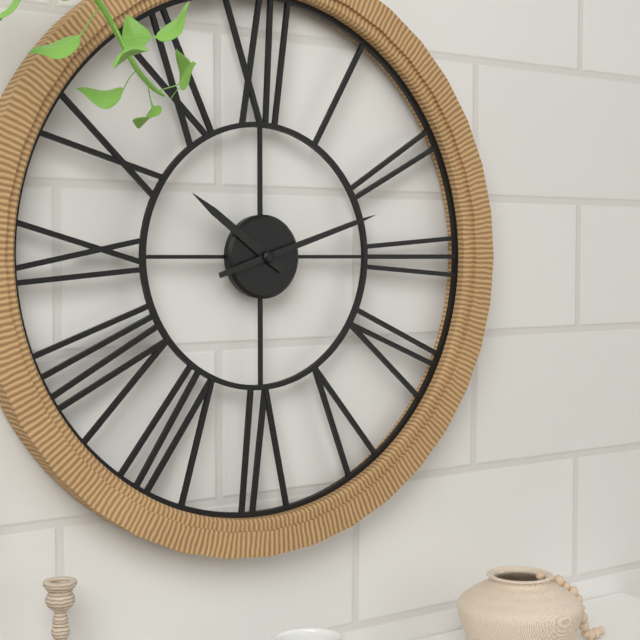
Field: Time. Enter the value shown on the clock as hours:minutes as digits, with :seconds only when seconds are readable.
10:12
